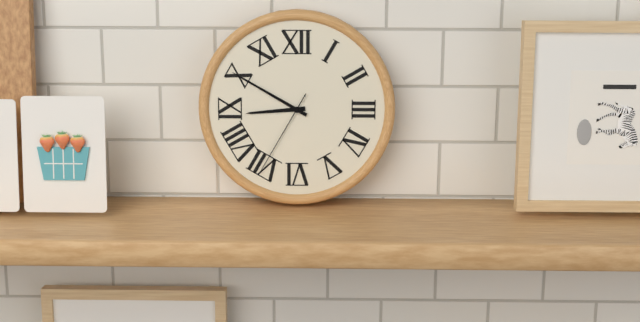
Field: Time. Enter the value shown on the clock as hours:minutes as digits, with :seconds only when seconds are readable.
8:50:35
